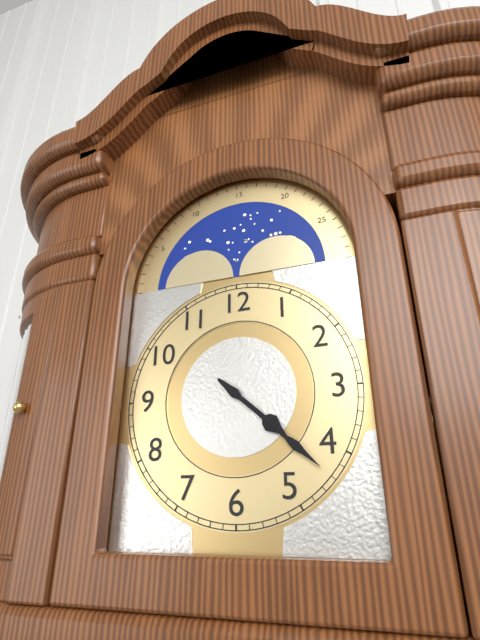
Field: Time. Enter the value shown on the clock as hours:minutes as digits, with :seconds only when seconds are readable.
4:22
